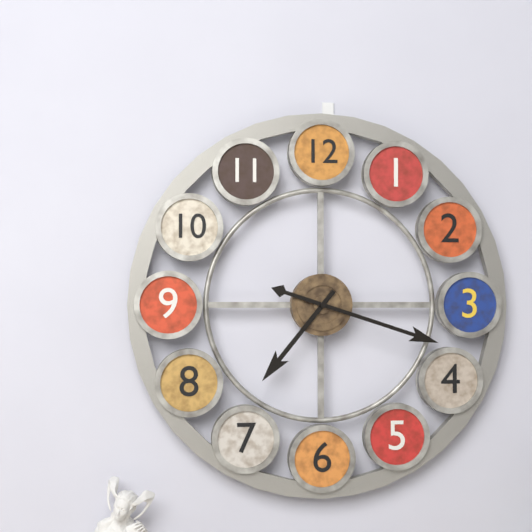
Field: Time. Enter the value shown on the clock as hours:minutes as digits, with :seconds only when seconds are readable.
7:18
